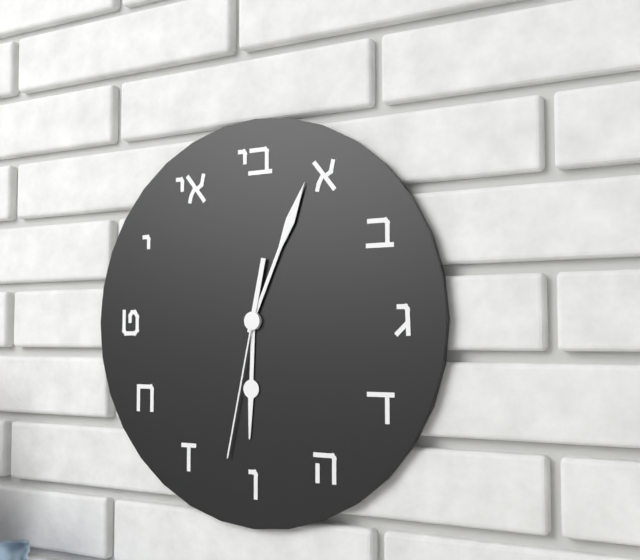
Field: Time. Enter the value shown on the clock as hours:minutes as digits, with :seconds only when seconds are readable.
6:04:32
